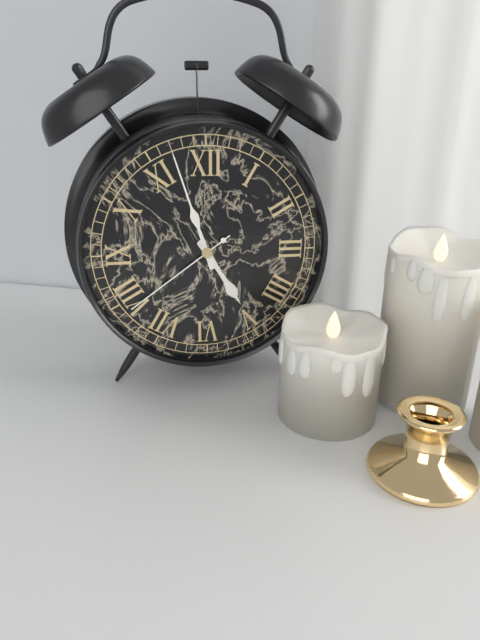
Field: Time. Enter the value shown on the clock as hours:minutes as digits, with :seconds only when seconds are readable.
4:57:39
